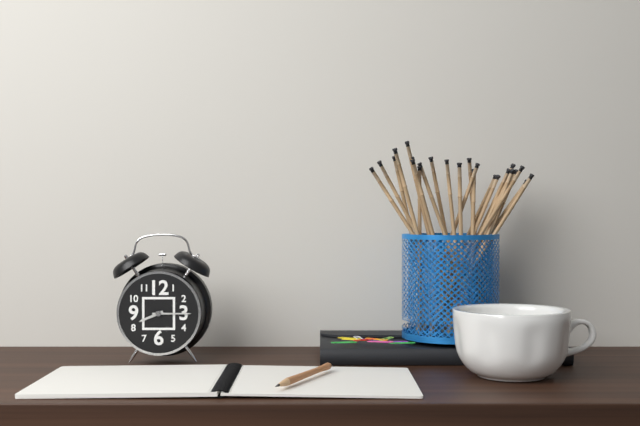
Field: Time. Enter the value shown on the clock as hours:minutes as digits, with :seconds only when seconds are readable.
8:15
